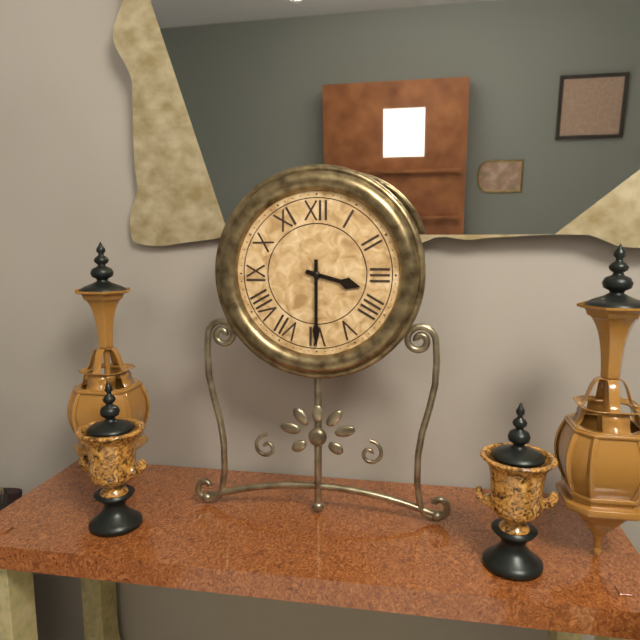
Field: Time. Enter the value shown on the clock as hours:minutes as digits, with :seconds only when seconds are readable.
3:30
